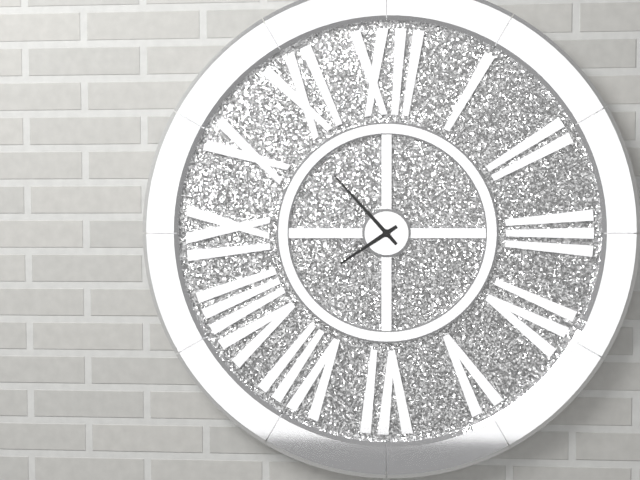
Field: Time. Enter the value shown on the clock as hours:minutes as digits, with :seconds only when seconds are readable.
7:53
